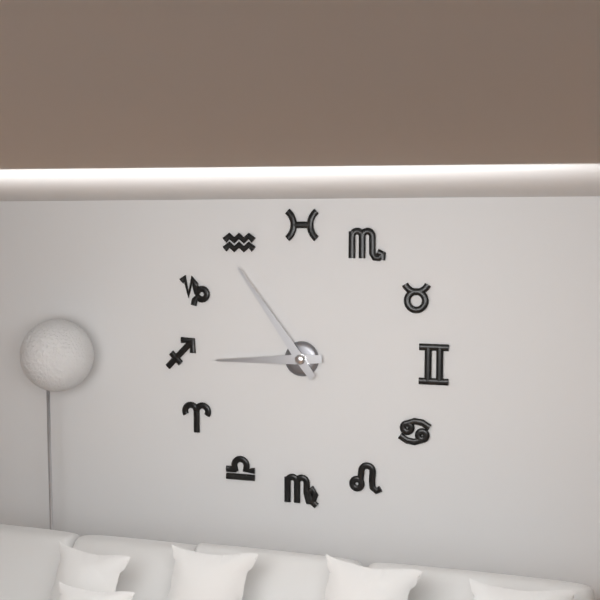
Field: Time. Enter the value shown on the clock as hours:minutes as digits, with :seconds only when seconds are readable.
8:54
